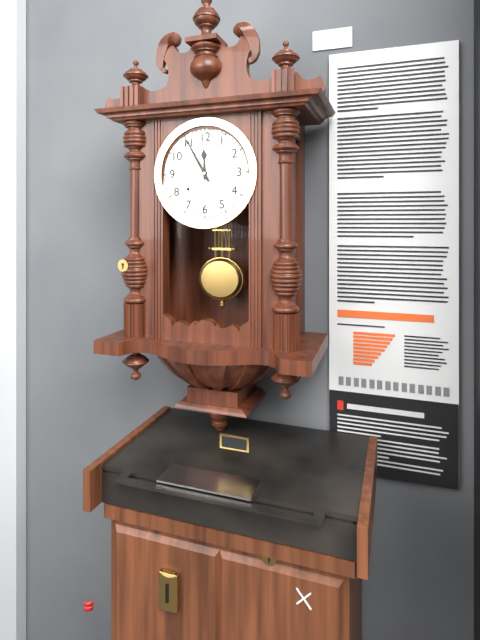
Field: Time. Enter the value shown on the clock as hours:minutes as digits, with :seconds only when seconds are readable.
11:55
